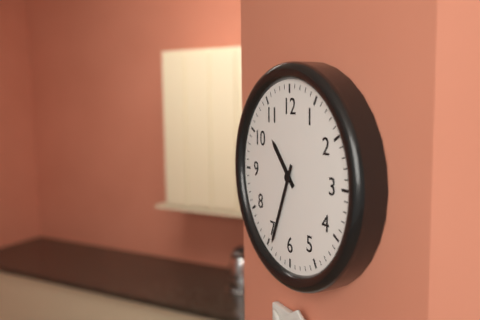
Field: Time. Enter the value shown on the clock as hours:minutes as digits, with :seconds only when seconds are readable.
10:34
